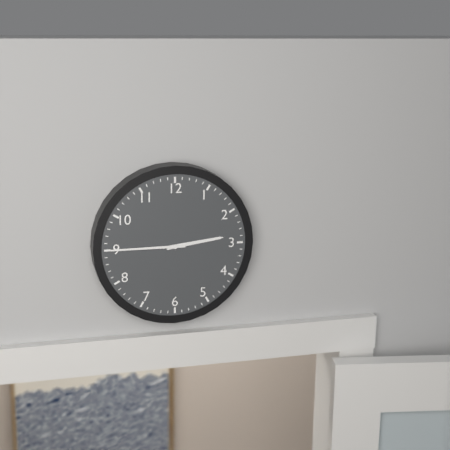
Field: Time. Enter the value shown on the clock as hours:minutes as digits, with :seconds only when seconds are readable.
2:45
